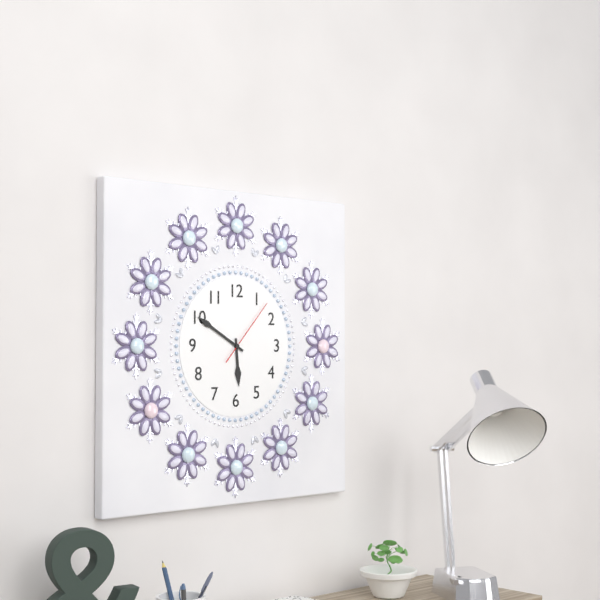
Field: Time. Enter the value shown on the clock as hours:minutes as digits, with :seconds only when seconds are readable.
5:50:07
